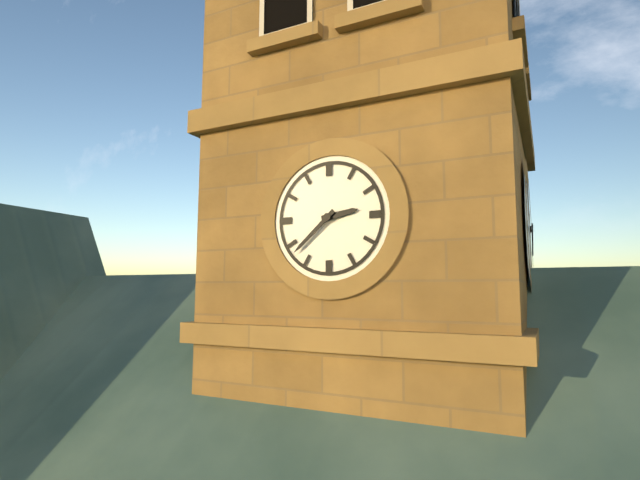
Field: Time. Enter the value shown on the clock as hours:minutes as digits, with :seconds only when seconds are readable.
2:38
